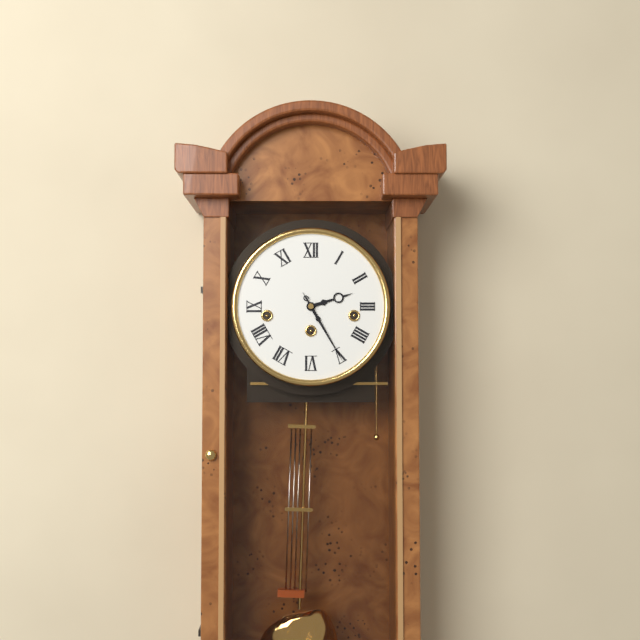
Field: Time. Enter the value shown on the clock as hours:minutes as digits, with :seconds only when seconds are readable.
2:25
